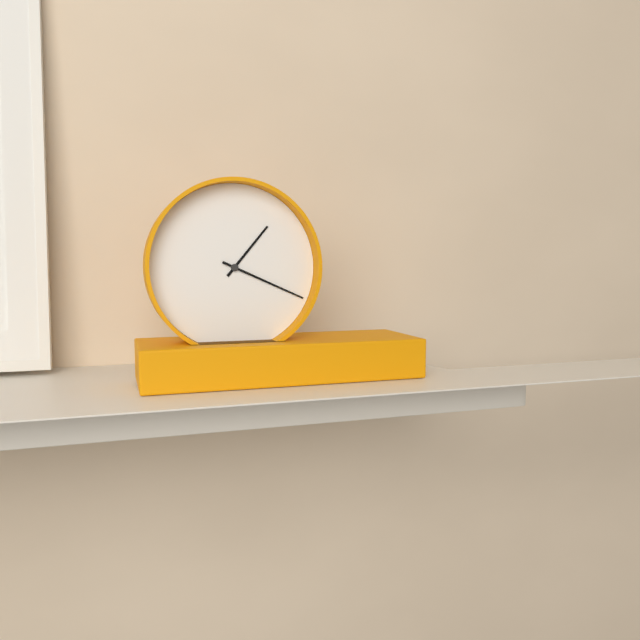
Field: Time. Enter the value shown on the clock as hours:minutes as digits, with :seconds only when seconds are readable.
1:19
